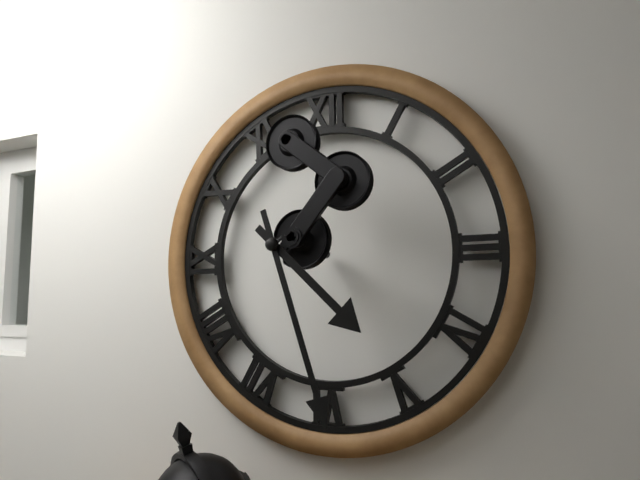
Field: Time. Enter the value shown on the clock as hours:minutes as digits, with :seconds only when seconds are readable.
4:27
